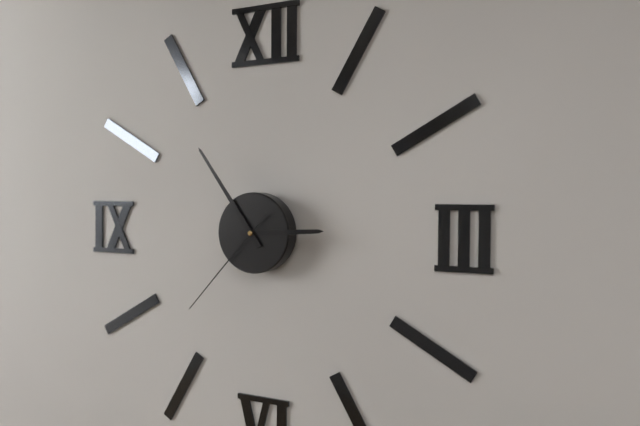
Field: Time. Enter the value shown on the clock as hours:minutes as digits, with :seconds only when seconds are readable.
2:54:37
